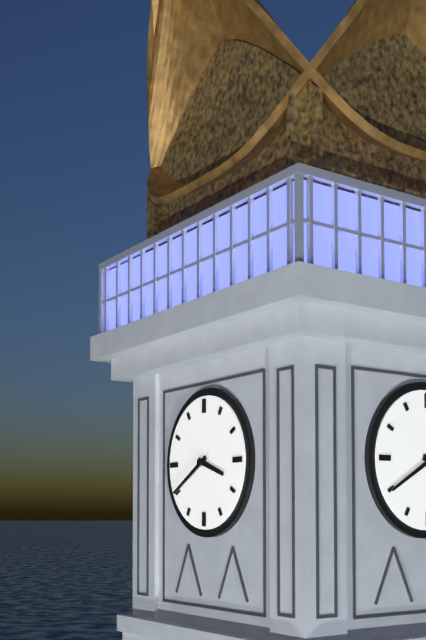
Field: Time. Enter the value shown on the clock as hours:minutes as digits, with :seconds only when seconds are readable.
3:40
